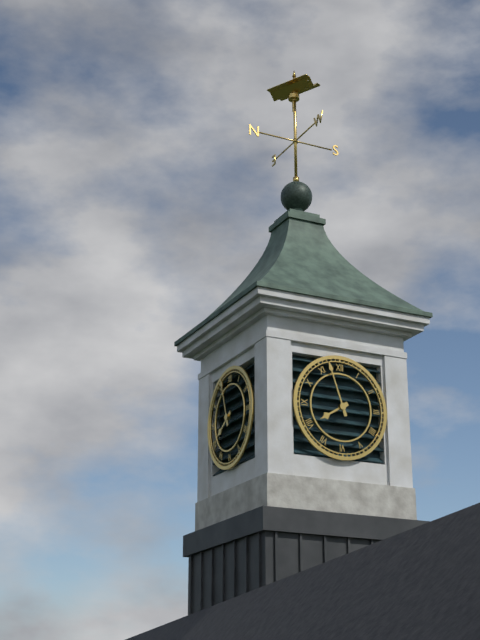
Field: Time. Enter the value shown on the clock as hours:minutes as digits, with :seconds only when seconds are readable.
7:57
